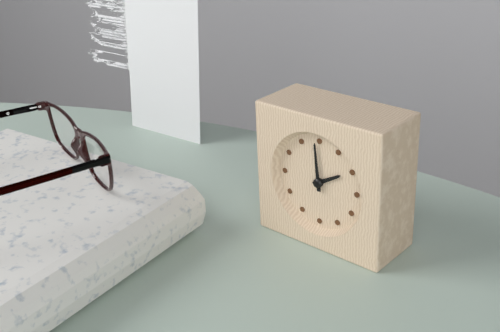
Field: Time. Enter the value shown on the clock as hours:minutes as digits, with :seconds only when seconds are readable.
1:59
